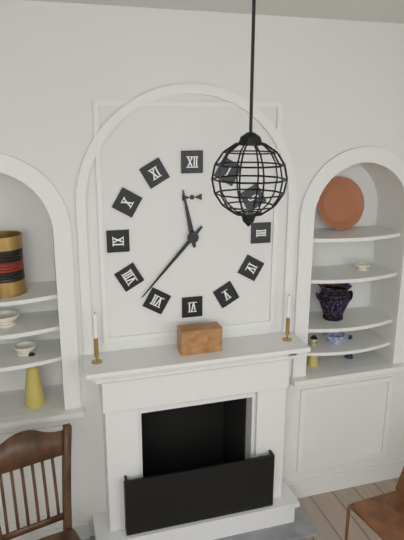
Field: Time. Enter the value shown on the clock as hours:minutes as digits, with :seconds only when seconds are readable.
11:37
